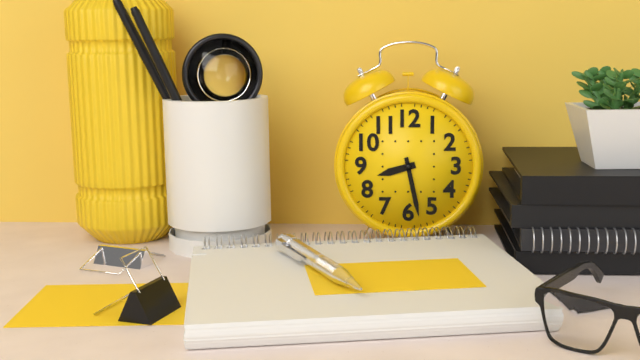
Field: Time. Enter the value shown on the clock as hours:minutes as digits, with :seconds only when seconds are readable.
8:28
